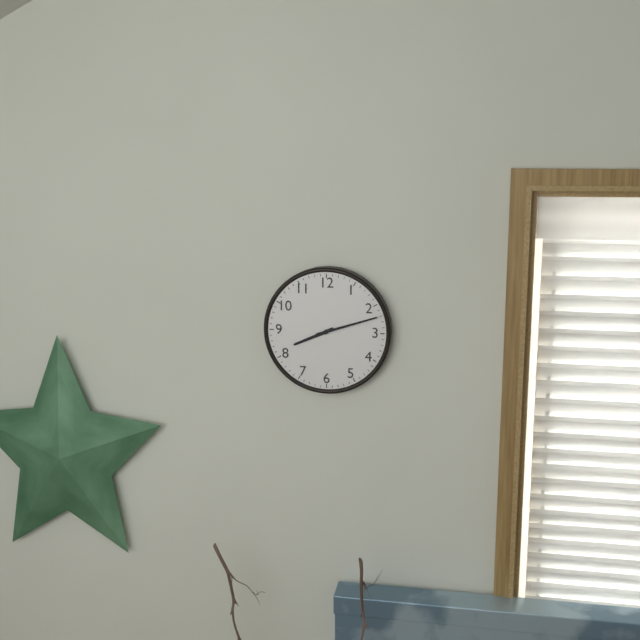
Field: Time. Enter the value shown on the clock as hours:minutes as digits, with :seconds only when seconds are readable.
8:12
